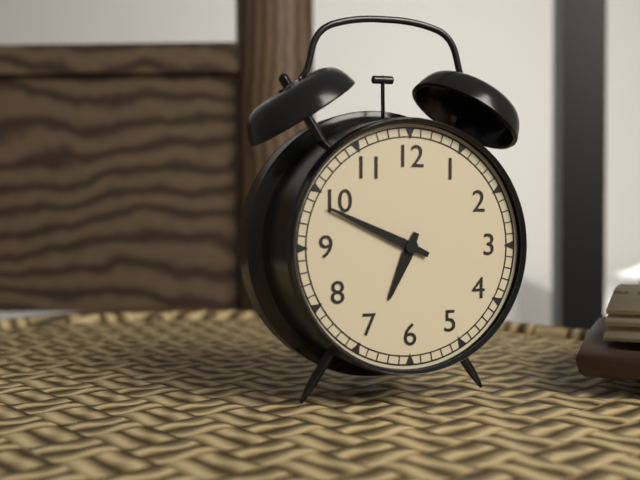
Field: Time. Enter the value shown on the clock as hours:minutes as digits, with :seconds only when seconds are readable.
6:49
